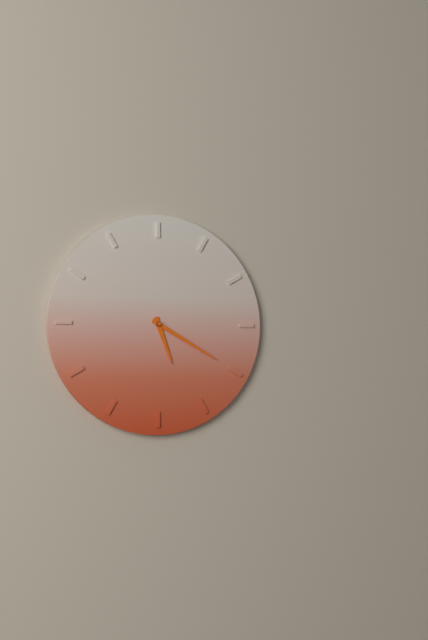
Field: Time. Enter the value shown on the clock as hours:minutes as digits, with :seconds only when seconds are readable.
5:20
